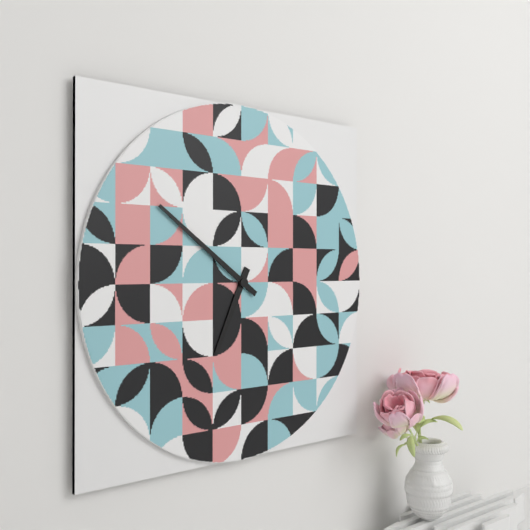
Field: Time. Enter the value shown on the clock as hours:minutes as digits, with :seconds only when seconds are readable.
6:51
